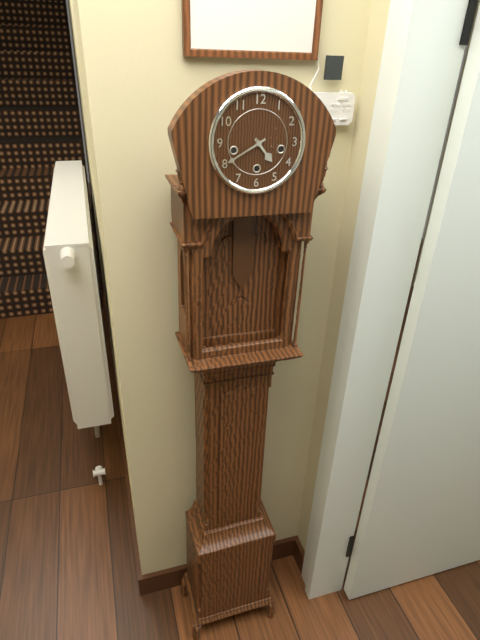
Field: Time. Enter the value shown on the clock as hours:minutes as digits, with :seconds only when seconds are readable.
4:40
